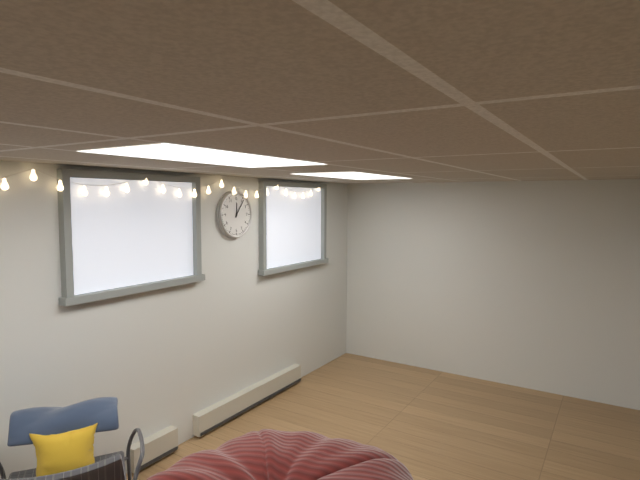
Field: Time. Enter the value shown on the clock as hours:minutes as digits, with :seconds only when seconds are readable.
12:06
